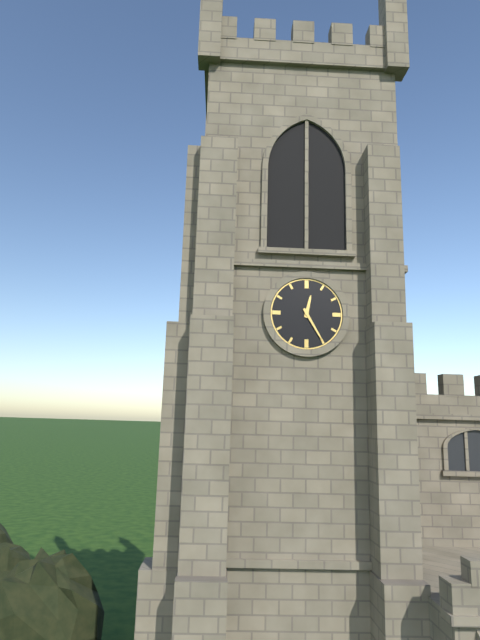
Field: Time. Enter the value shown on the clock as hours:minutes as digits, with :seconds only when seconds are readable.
12:25
